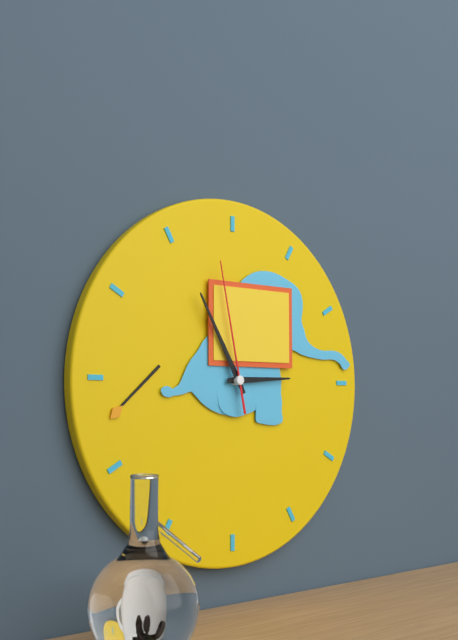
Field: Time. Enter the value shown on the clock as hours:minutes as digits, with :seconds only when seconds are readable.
2:55:58
